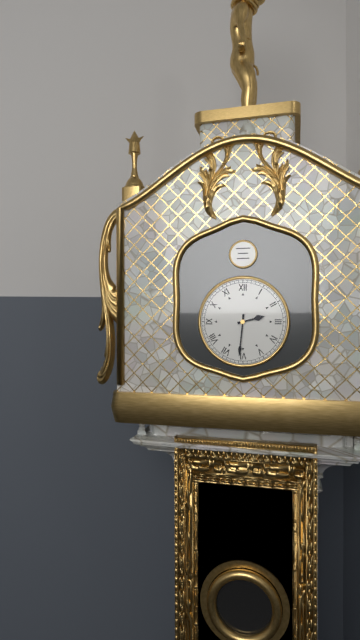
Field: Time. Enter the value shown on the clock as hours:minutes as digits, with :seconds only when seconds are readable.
2:31
